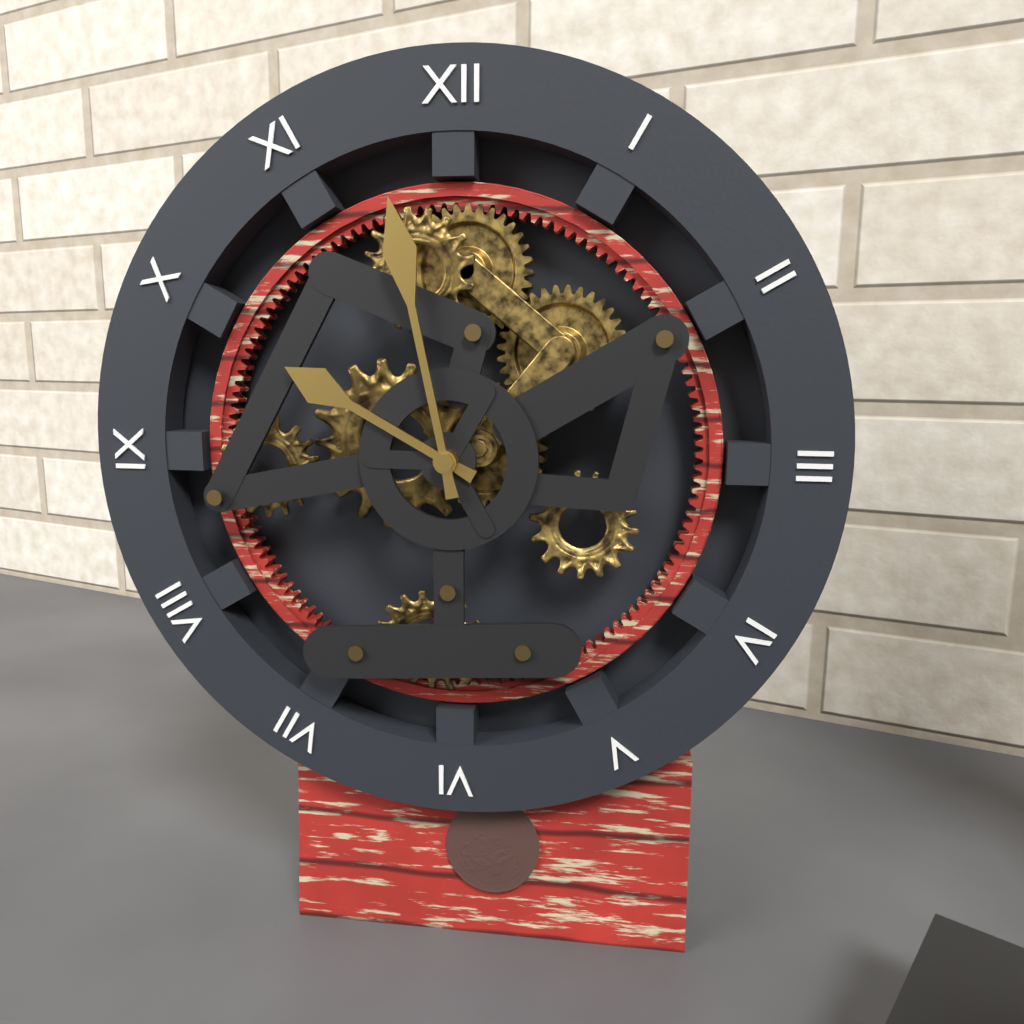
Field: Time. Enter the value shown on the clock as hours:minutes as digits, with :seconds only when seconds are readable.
9:58
